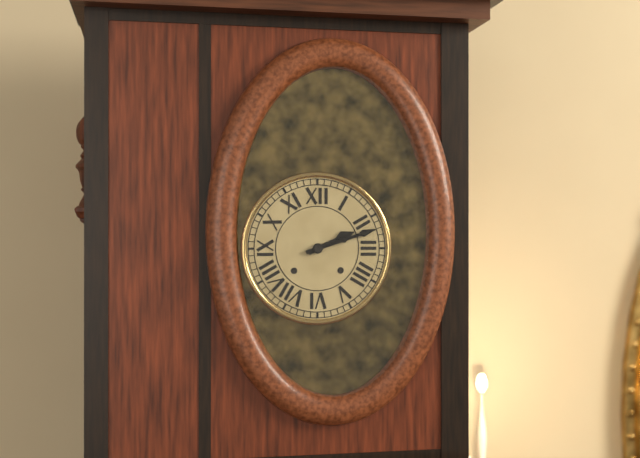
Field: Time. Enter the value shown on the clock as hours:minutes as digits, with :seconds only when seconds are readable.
2:12
